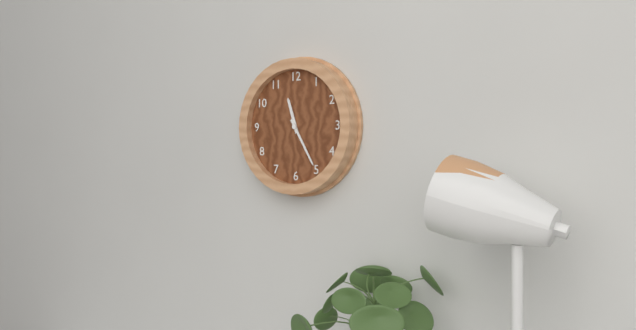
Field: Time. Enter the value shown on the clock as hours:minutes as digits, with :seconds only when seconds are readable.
11:25
